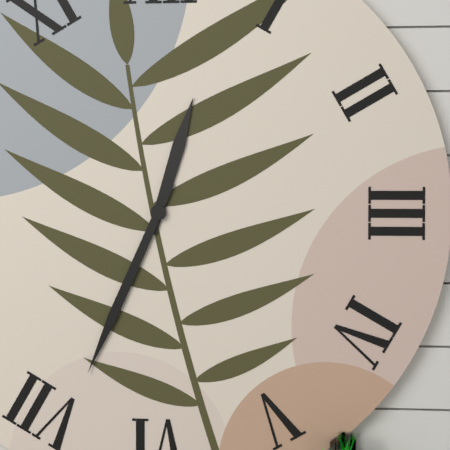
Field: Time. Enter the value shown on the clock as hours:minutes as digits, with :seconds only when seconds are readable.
12:34
